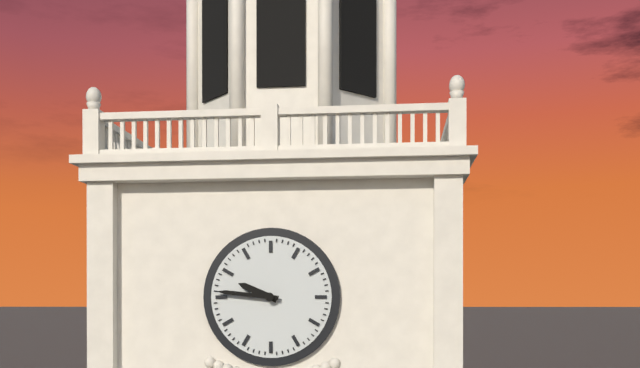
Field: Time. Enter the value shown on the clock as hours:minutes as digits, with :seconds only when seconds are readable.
9:46
